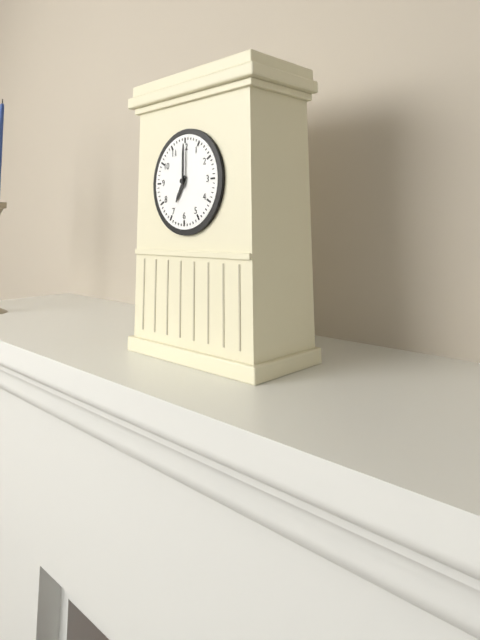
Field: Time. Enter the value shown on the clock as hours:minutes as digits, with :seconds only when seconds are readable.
7:00
